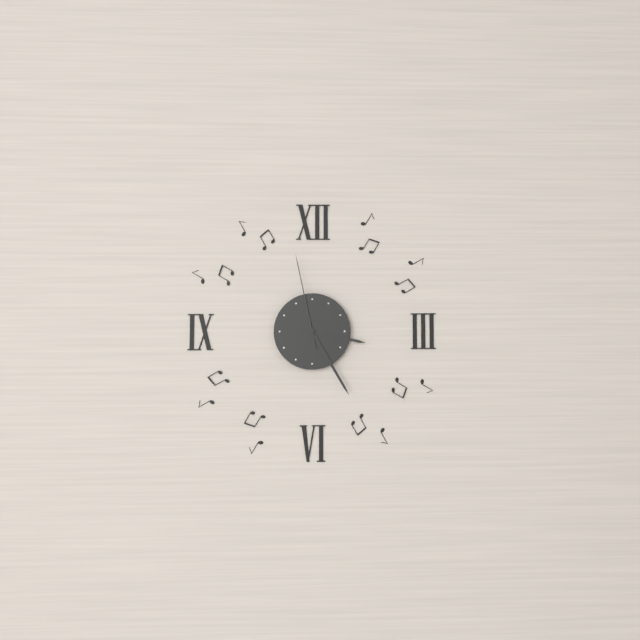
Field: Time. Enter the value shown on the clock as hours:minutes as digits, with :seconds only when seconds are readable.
3:25:58
